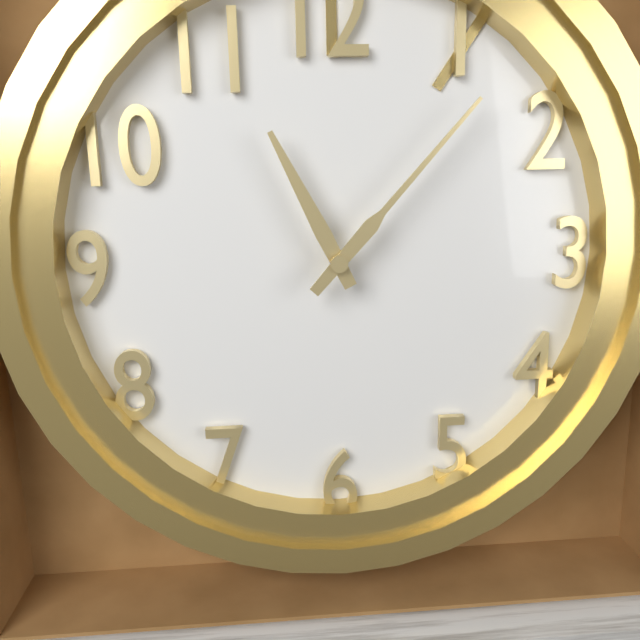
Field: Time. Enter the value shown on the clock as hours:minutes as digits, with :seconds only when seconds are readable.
11:07
